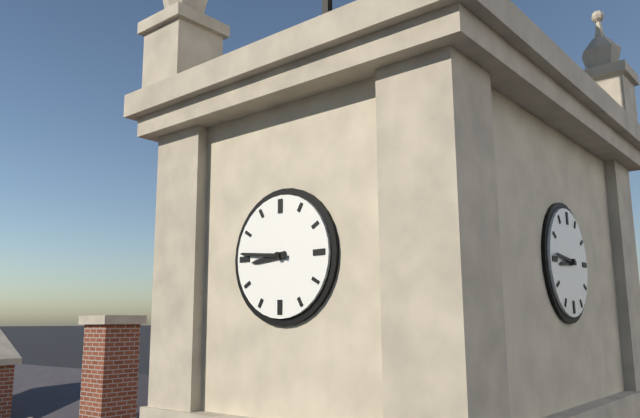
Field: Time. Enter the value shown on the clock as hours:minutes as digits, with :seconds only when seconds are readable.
8:46
